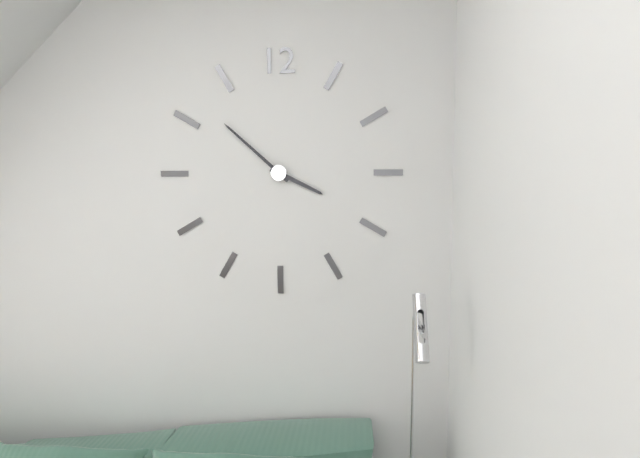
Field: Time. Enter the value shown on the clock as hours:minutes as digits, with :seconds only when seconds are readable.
3:52
